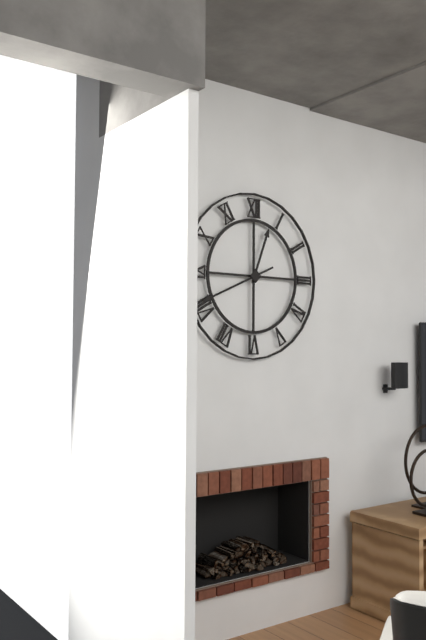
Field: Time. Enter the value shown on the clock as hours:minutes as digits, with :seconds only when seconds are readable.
12:41
